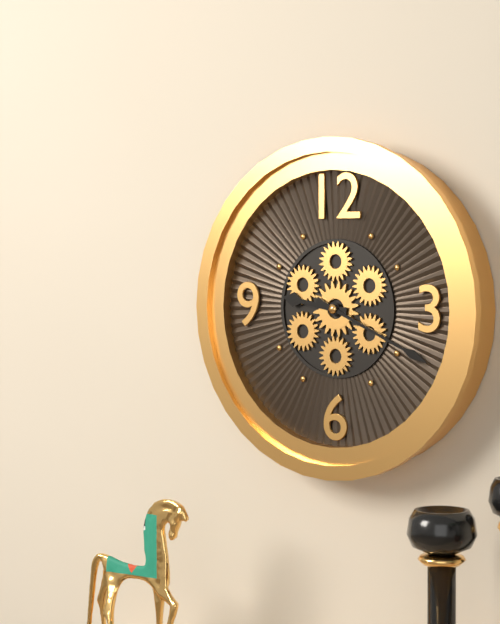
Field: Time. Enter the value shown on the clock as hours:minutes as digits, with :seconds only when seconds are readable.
9:19
